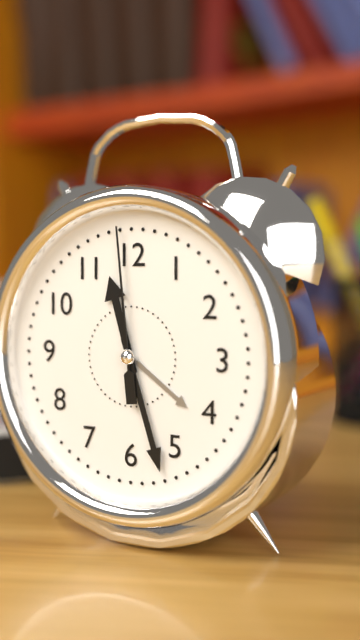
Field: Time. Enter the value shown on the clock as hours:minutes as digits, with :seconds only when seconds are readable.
11:27:59
